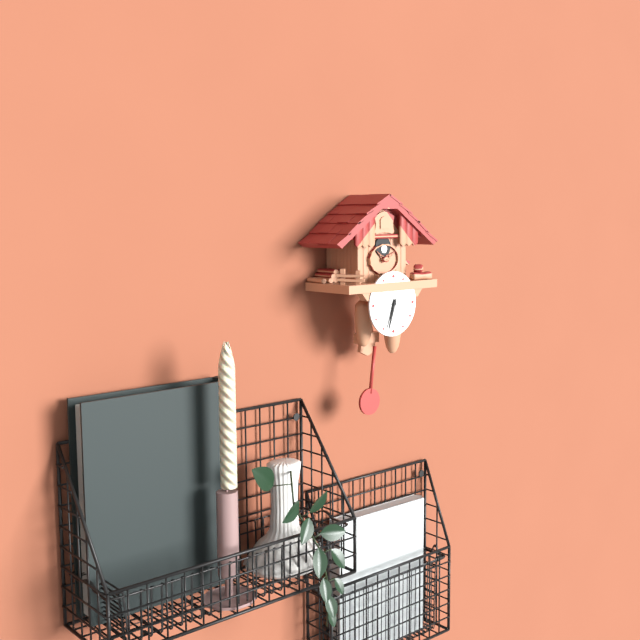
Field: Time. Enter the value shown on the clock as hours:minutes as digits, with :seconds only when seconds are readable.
6:33
